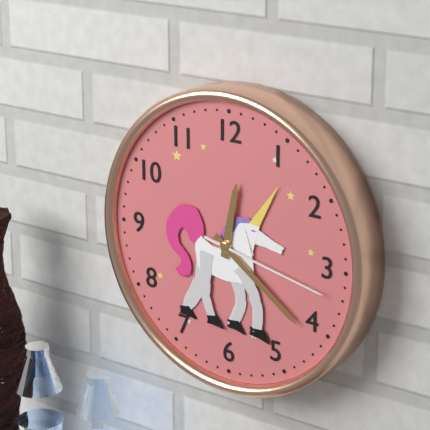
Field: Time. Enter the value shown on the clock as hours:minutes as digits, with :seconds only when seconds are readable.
12:21:17
